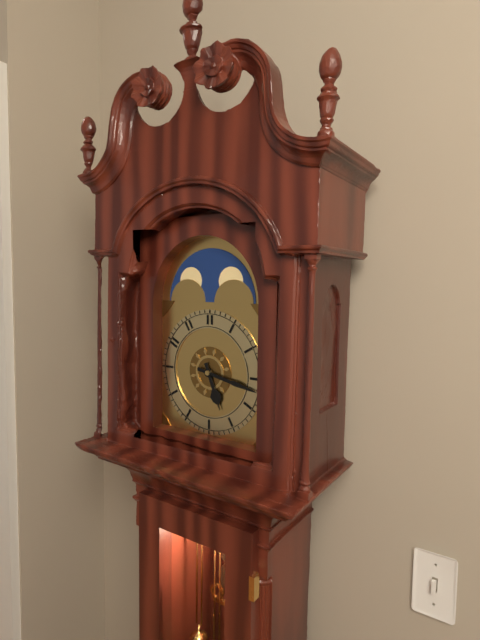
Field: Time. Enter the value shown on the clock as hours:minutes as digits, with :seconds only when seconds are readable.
5:17
